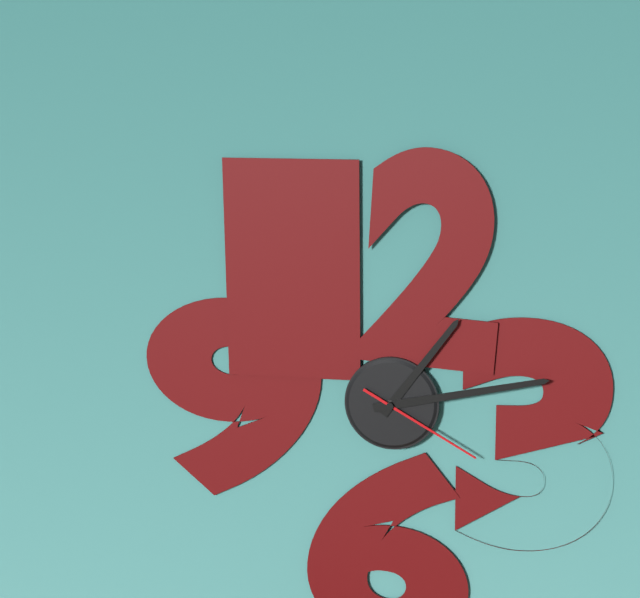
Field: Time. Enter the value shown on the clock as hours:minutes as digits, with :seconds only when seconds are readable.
1:13:20
